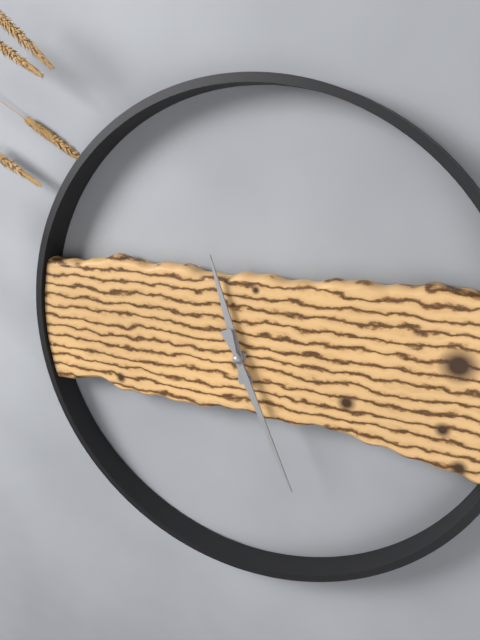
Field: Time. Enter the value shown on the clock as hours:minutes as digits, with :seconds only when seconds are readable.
11:26
